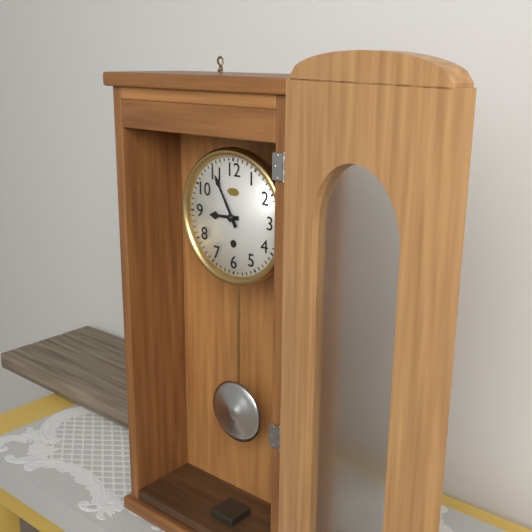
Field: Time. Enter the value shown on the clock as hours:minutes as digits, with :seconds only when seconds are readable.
8:55
